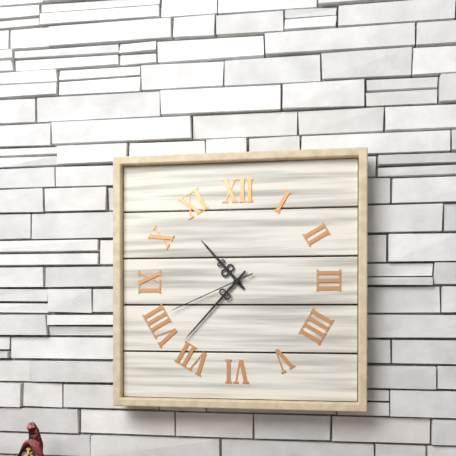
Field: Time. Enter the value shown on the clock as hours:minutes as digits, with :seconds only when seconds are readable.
10:37:41
